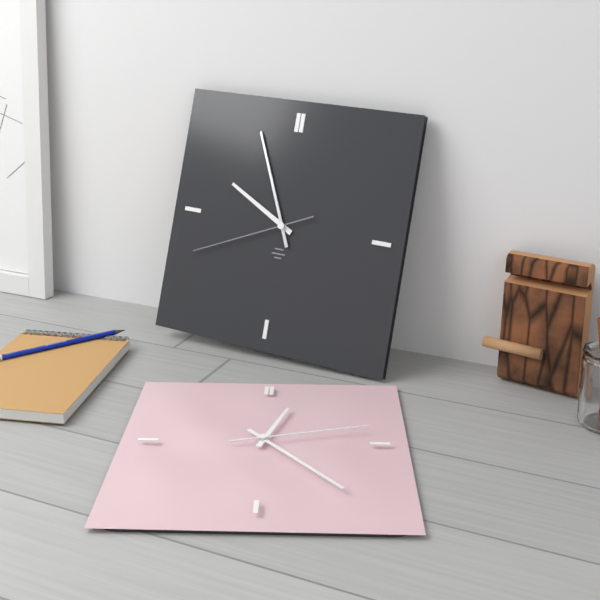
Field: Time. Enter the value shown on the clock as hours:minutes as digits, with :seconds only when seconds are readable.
9:56:41
